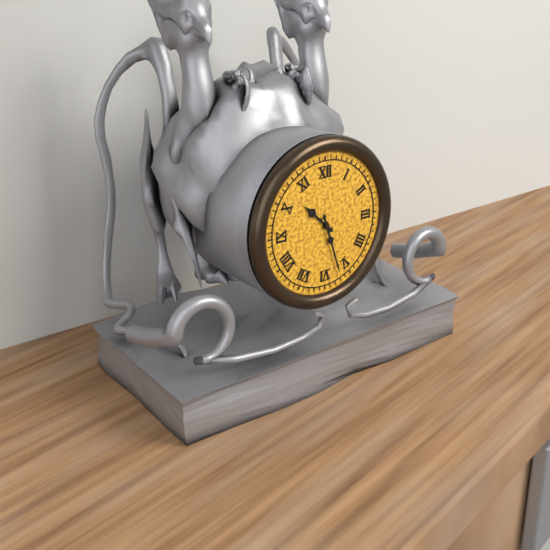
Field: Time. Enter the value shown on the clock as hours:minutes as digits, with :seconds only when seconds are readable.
10:27
